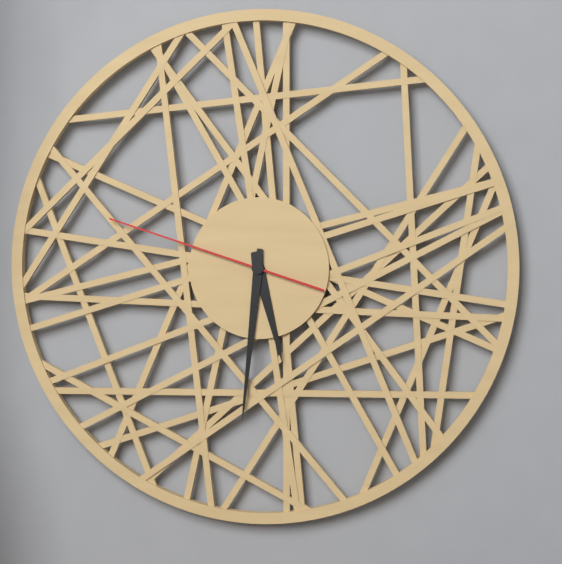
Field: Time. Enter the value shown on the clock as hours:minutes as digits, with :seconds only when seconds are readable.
5:31:48
